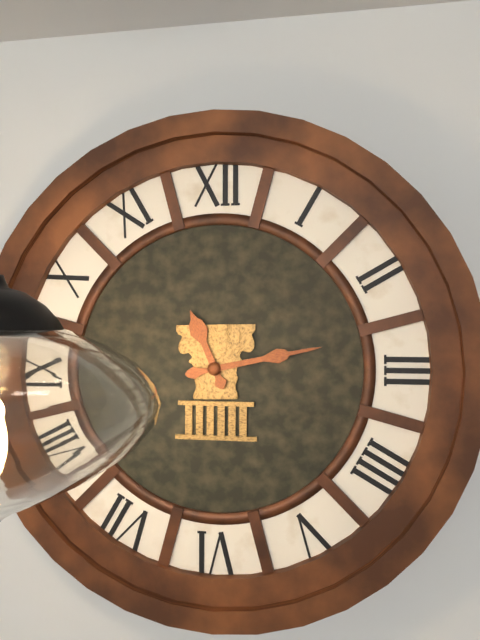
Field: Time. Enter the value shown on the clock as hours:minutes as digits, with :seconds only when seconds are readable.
11:13
